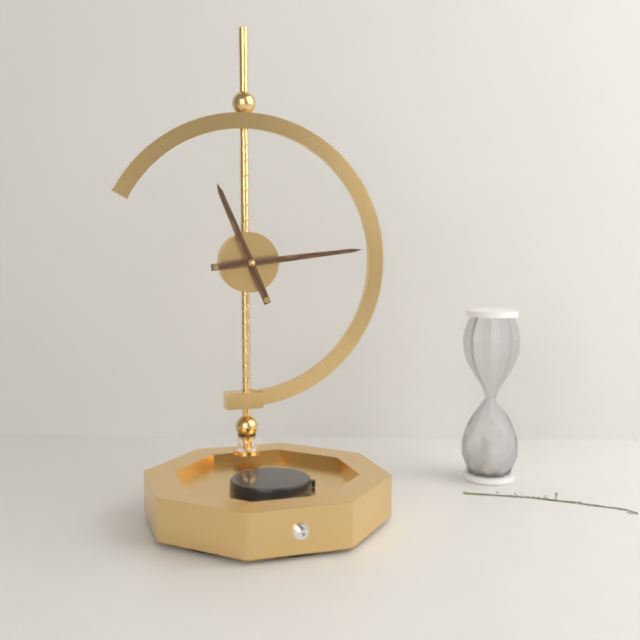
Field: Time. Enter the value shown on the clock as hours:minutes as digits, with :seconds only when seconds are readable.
11:14
